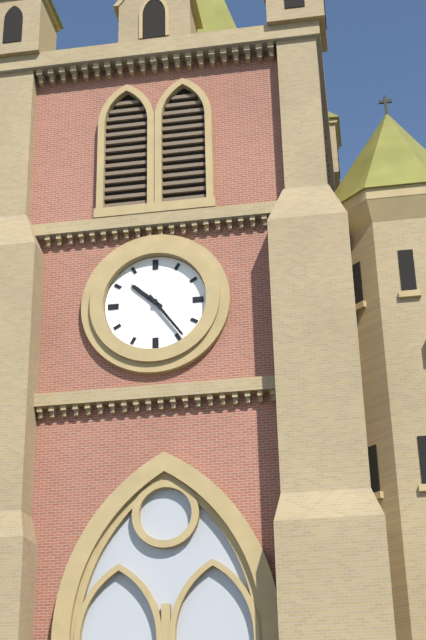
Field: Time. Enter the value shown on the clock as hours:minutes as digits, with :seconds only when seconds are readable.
10:24
